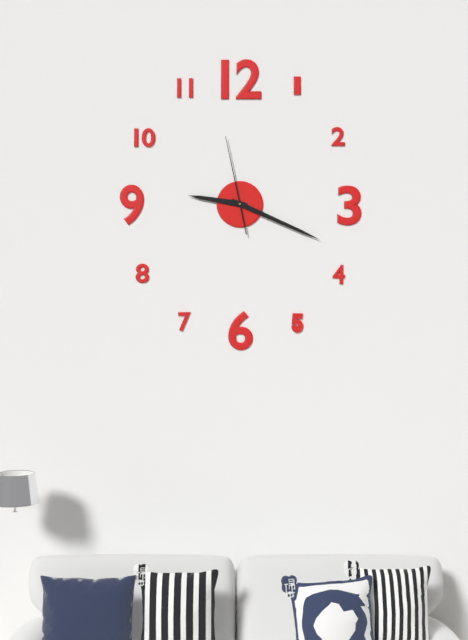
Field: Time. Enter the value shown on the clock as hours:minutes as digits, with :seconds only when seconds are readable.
9:19:58
